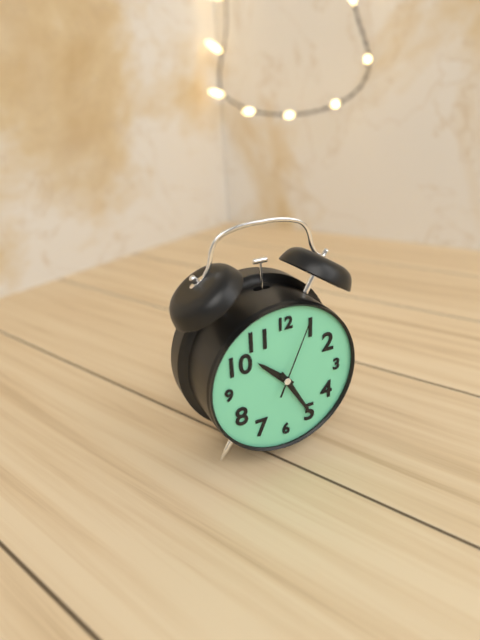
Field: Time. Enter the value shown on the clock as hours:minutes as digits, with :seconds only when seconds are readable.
10:25:04
